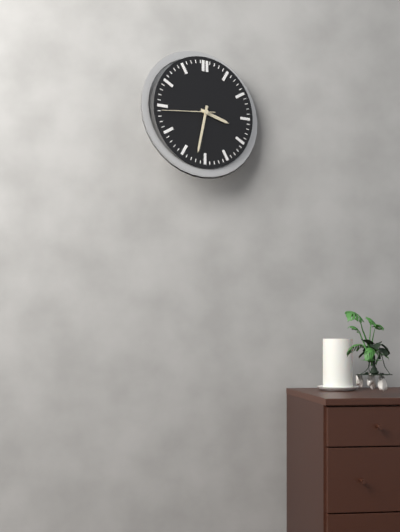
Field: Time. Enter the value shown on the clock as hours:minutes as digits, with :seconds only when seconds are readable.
3:32:44
